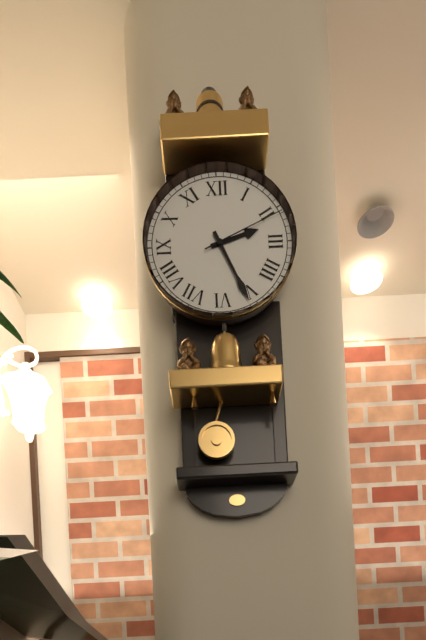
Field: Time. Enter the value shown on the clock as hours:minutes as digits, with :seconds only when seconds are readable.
2:26:11
